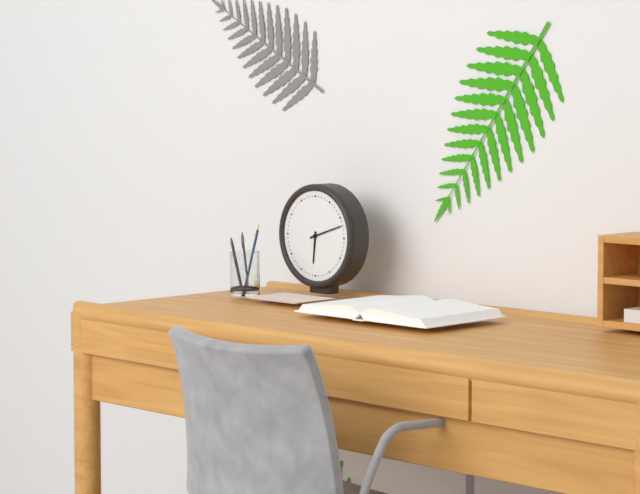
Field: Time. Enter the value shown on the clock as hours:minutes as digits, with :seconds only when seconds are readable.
6:12
